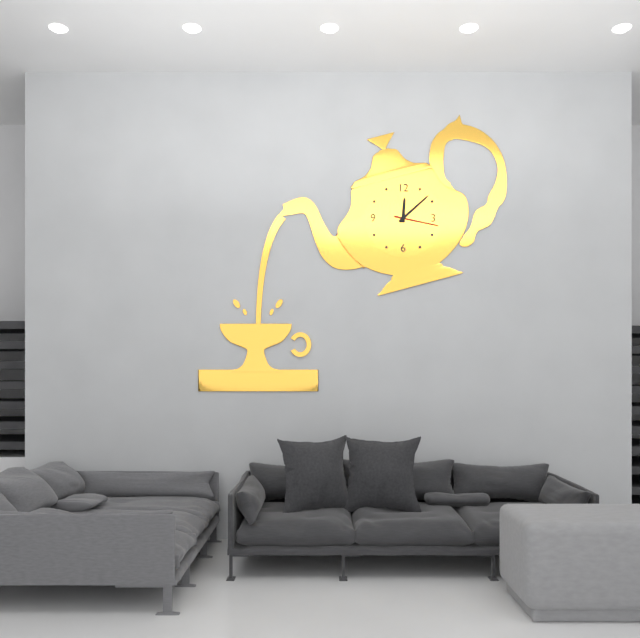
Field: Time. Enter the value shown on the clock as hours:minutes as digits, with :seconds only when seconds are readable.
12:08
